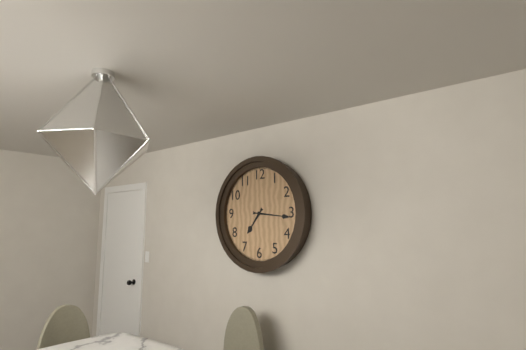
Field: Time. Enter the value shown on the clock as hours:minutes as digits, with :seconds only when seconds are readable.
7:16
